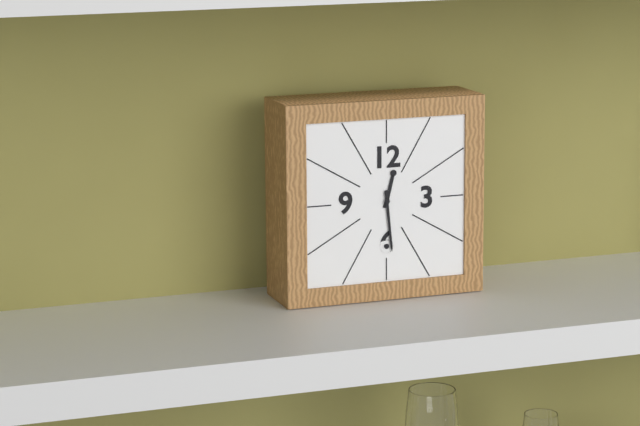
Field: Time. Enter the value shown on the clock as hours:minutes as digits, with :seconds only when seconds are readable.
12:29
